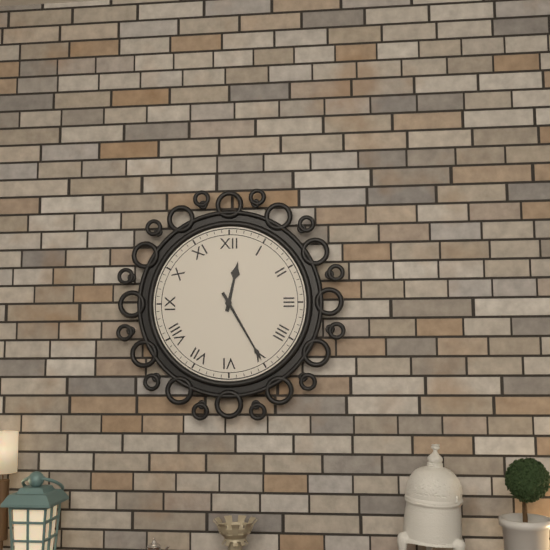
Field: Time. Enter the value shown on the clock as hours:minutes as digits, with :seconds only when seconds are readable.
12:25
